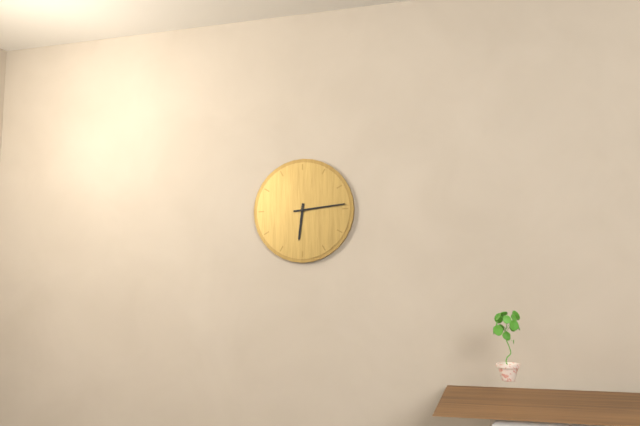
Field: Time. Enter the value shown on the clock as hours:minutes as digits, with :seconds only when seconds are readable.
6:14
